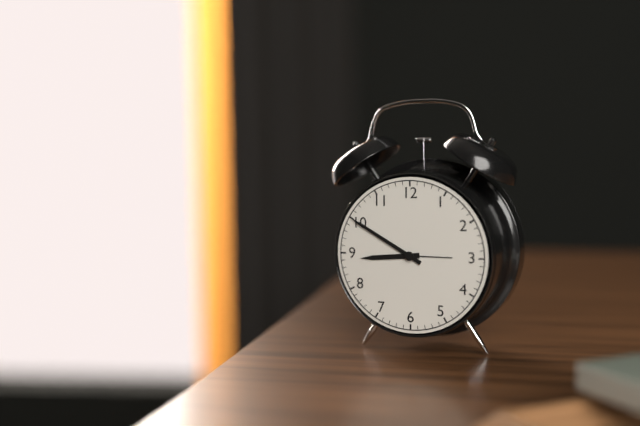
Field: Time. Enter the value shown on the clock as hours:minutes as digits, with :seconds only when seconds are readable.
8:50
